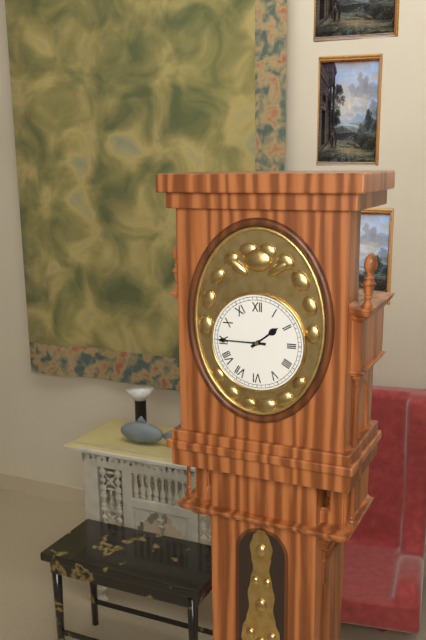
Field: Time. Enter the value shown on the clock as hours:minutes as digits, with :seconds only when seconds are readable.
1:45
